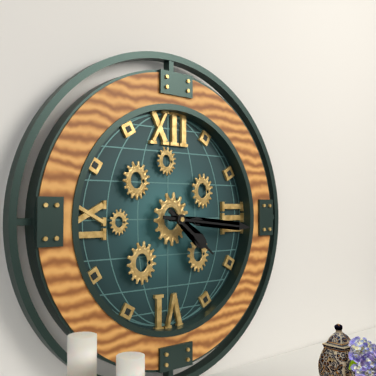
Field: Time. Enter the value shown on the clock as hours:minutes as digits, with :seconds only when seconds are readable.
4:16
